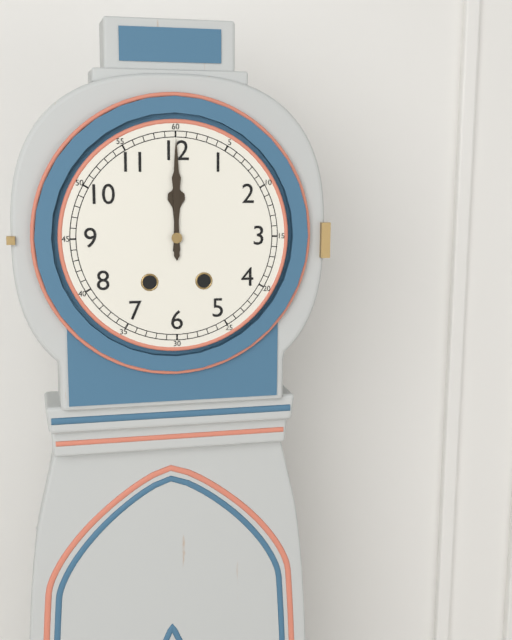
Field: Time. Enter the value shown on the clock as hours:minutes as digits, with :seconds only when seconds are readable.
12:00
